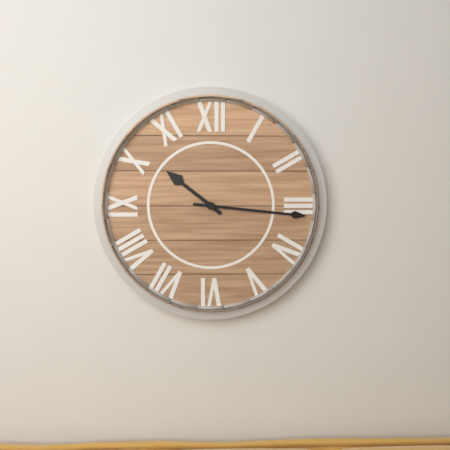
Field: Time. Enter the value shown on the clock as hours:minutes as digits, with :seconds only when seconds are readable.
10:16
